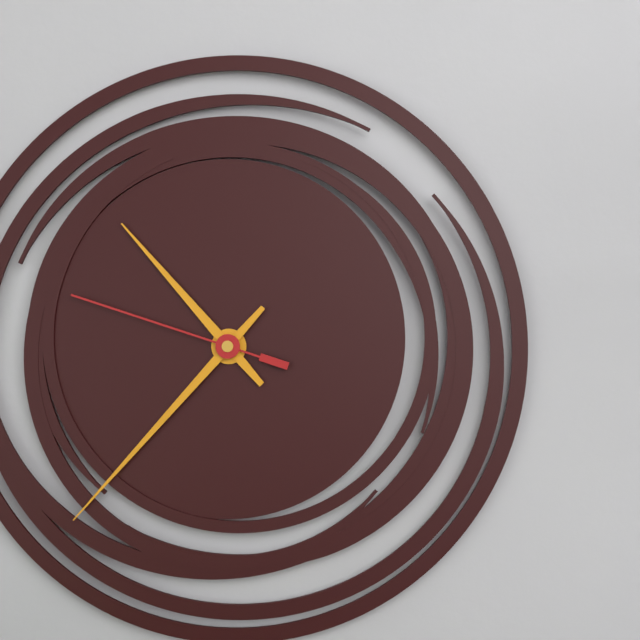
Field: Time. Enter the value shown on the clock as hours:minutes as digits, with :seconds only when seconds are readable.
10:37:48
